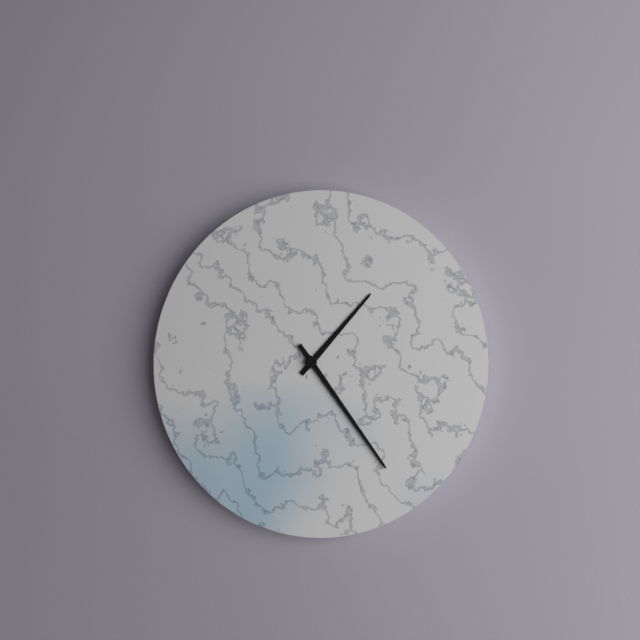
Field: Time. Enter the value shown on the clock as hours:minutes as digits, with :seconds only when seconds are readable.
1:24
